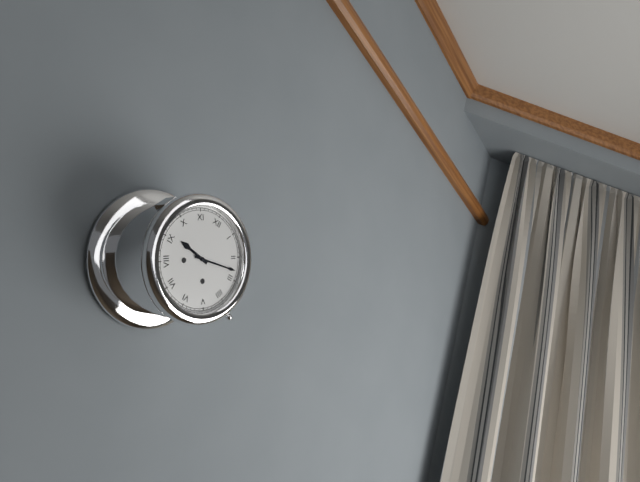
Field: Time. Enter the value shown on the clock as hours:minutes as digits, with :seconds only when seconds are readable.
9:13
